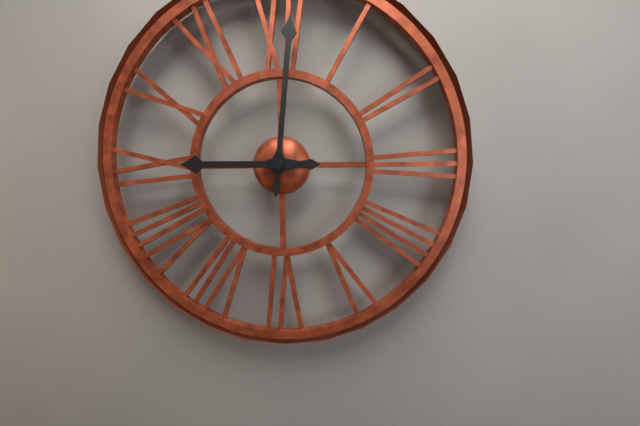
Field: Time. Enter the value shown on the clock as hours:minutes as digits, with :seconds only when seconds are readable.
9:01
